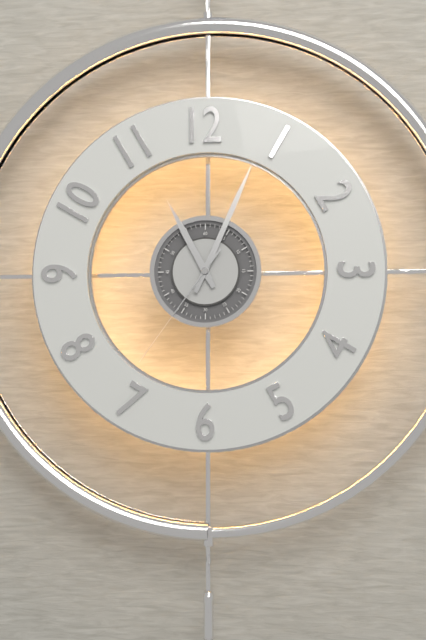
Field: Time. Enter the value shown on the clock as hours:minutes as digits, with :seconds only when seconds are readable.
11:04:36
